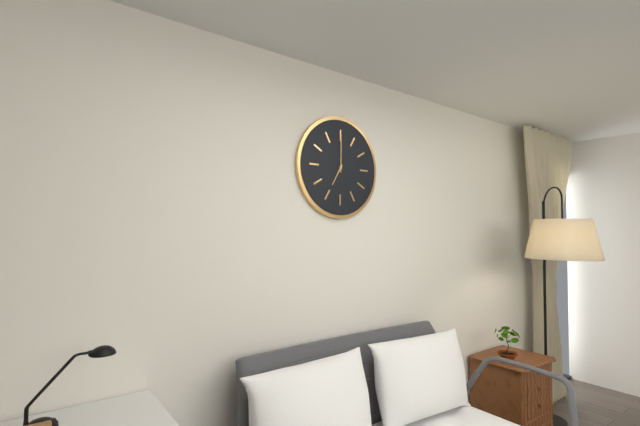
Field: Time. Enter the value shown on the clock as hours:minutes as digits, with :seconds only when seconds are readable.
7:00
